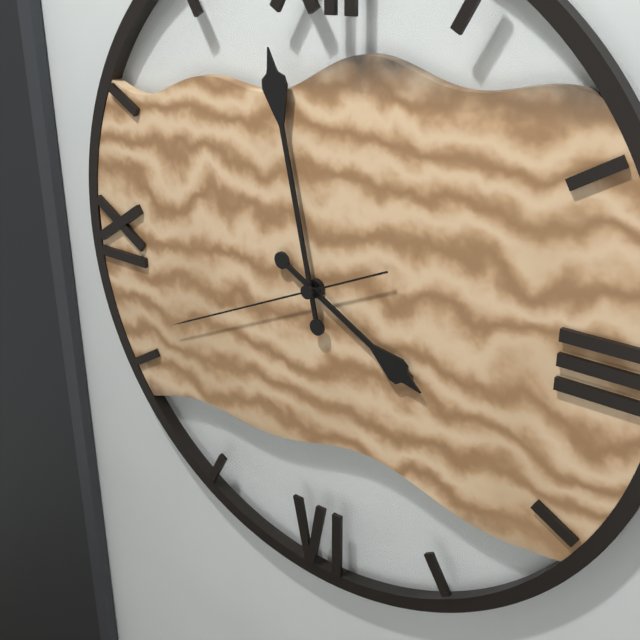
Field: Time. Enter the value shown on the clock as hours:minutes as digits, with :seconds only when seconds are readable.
3:58:41
